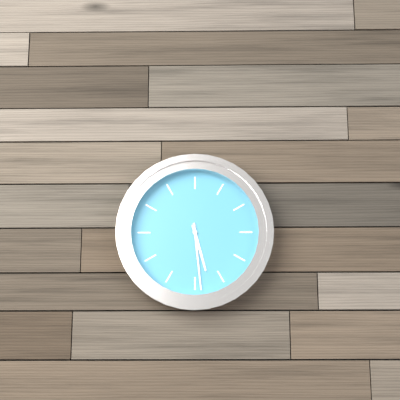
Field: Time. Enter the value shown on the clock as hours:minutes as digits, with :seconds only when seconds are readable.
5:29
